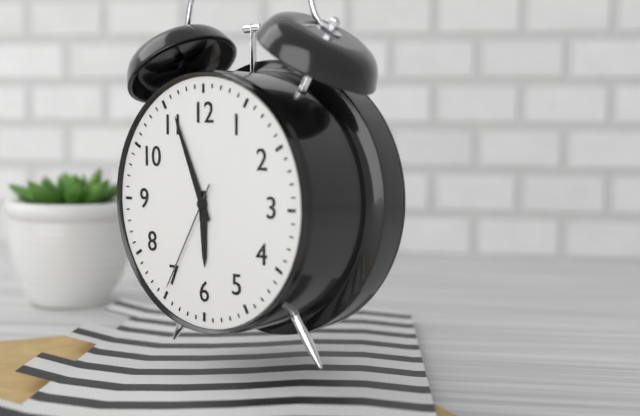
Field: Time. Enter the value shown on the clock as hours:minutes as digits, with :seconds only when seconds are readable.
5:56:35
